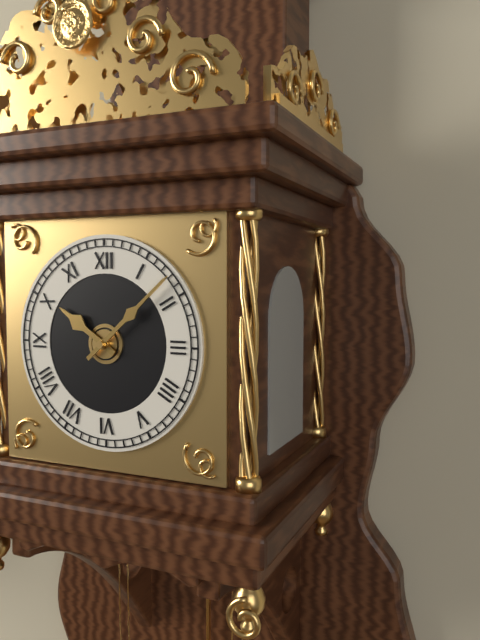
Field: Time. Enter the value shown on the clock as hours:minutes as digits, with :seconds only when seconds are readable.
10:08
